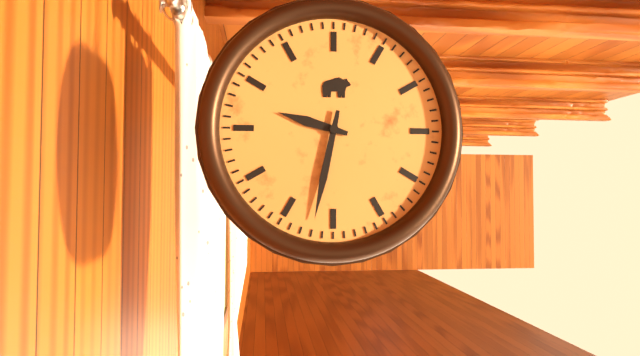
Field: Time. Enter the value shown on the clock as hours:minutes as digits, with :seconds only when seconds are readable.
9:32
